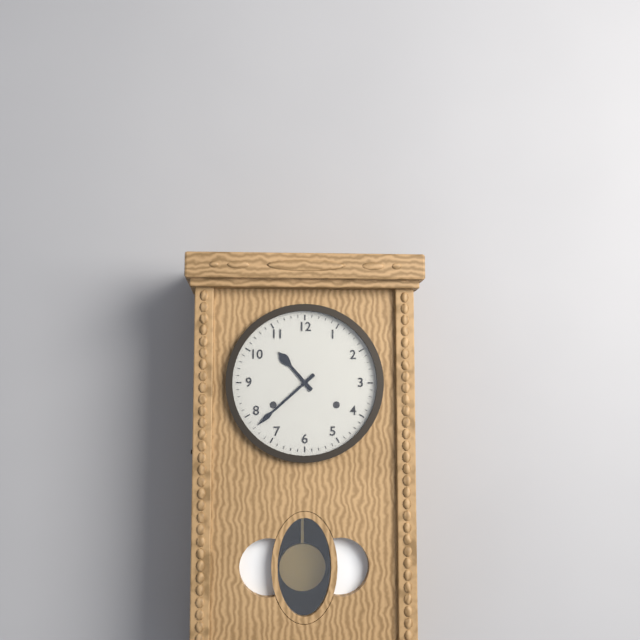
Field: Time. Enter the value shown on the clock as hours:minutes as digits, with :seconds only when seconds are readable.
10:38
